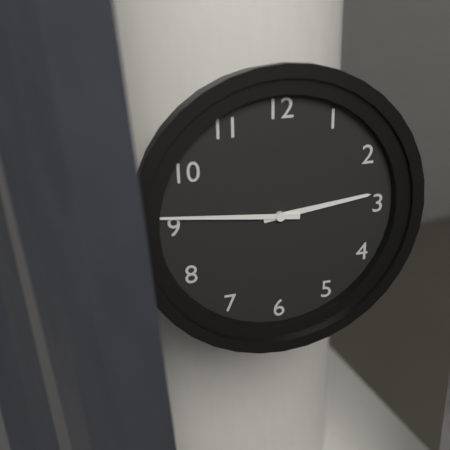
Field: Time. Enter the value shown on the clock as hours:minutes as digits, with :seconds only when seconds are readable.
2:46
